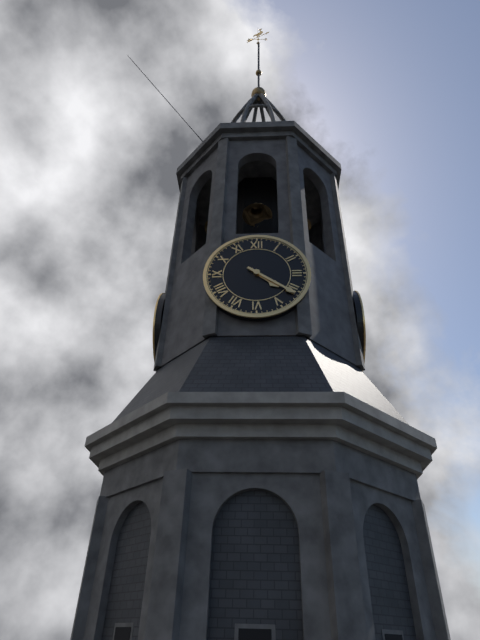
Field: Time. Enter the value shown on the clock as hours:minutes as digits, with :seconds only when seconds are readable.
4:21
